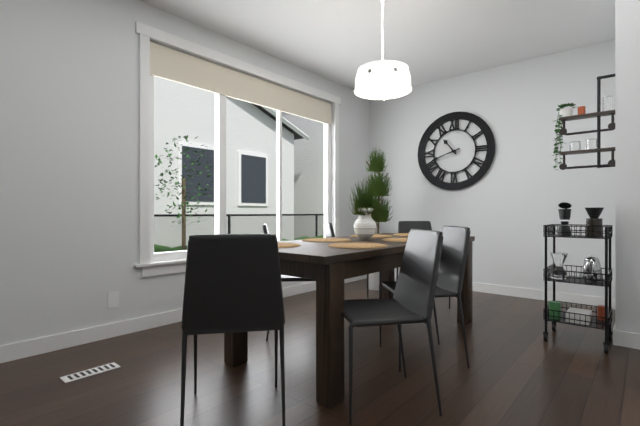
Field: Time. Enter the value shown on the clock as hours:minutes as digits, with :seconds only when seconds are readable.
10:42
